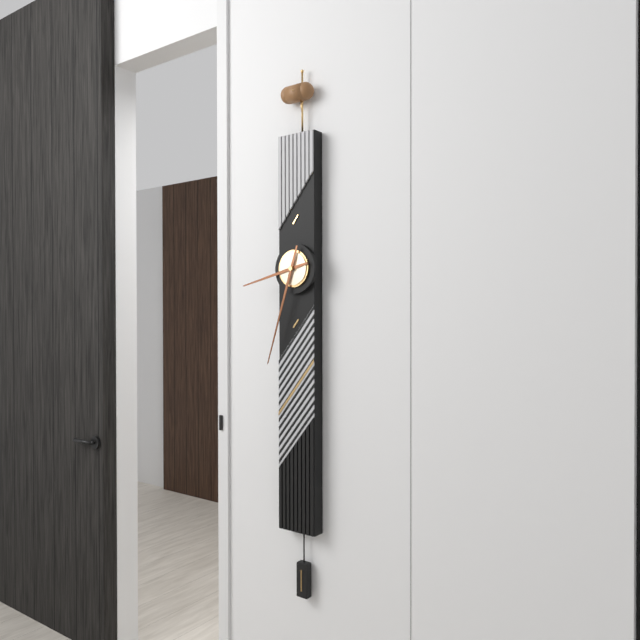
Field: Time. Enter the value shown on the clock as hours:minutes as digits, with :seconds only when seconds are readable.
8:33
